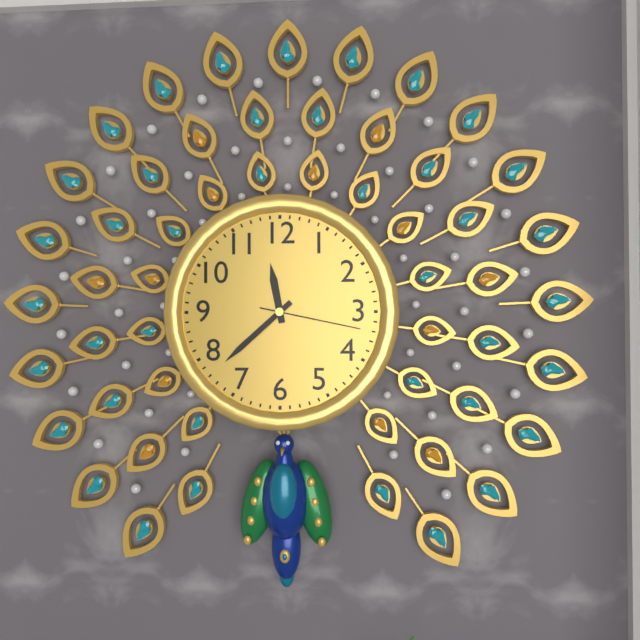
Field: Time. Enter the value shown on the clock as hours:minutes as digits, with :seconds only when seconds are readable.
11:38:17
